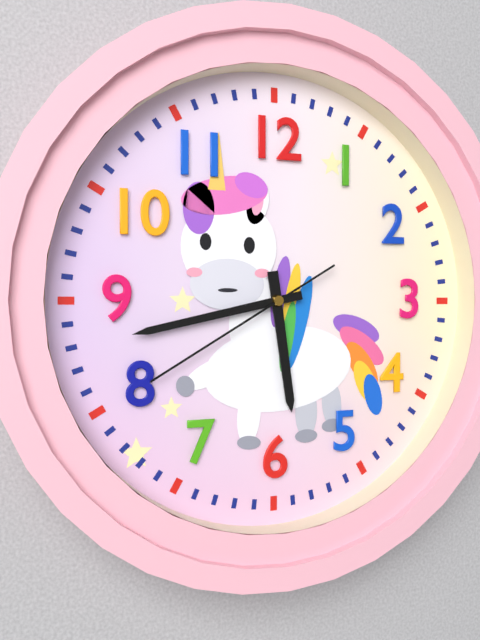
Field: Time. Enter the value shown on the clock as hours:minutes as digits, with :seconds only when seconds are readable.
5:43:40
